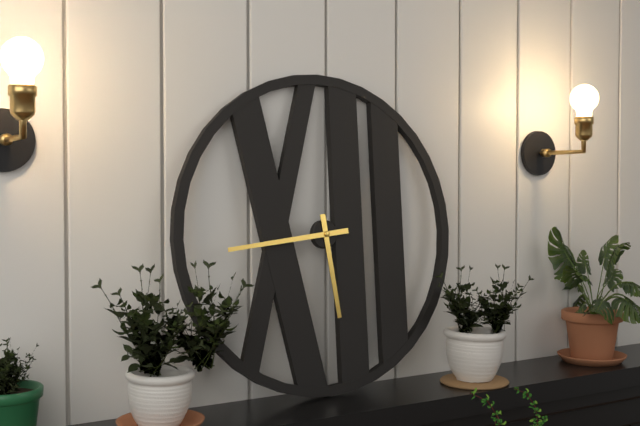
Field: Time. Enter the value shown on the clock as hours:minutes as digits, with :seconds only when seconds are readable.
5:44
